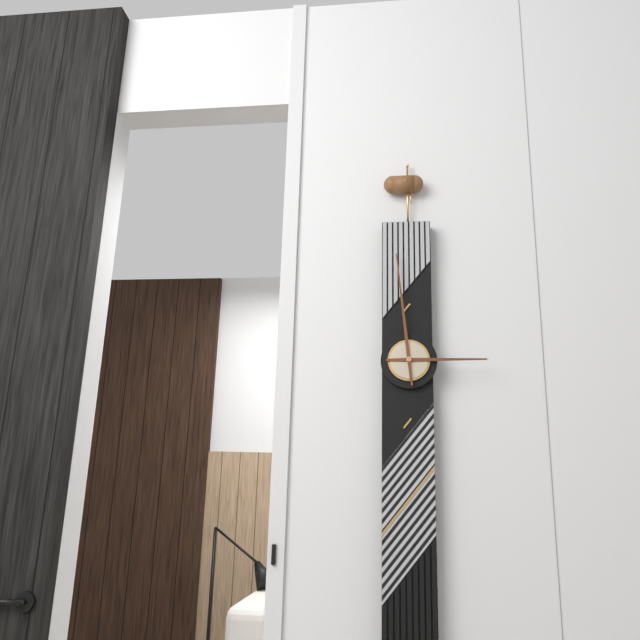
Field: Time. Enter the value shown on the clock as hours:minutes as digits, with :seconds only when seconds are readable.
2:59
